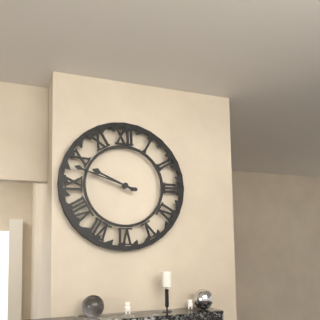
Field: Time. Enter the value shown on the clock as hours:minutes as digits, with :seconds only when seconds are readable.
9:48
